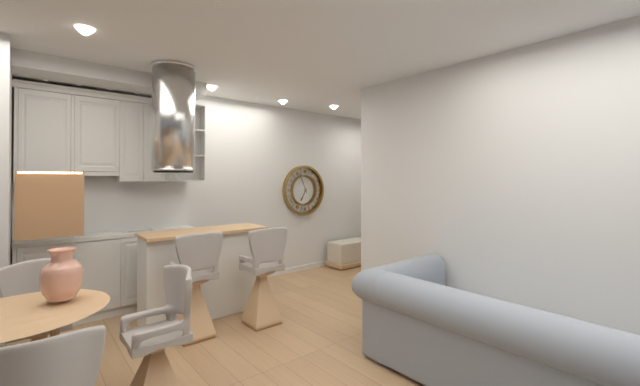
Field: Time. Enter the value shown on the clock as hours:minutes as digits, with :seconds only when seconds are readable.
6:56
